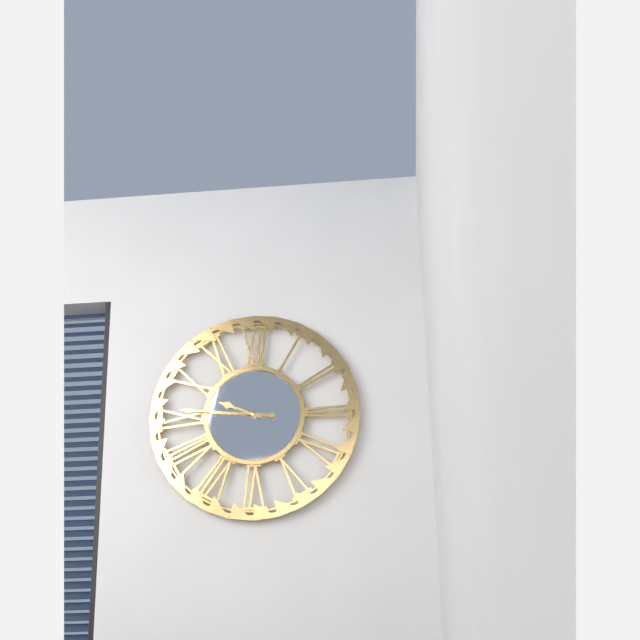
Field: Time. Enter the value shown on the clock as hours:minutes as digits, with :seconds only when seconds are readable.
9:46
